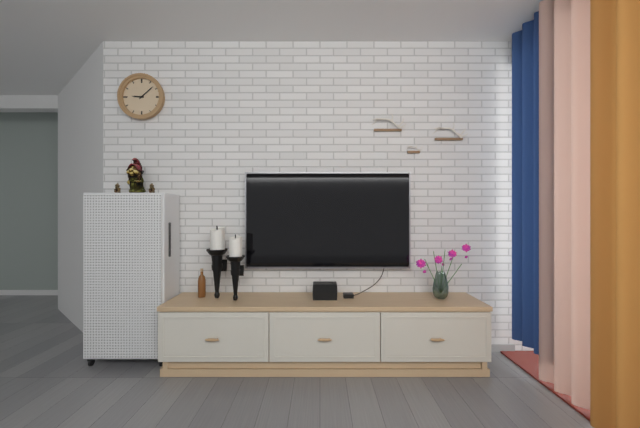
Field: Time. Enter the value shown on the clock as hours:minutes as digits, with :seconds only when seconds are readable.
9:08
